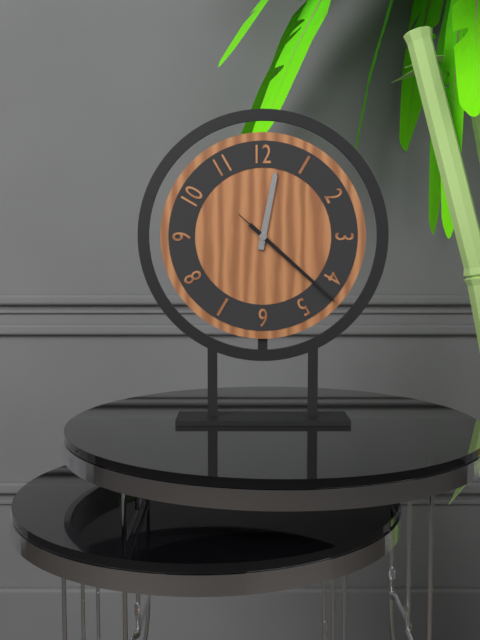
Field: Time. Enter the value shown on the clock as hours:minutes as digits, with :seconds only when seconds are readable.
12:22:22
